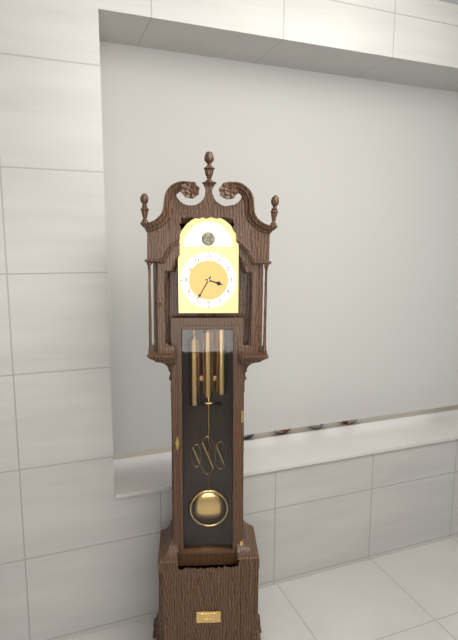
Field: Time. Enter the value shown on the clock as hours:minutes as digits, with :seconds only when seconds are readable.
3:35
